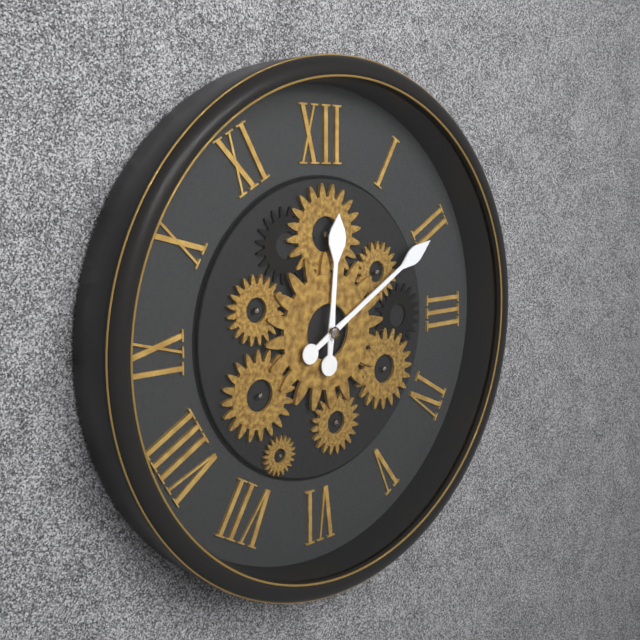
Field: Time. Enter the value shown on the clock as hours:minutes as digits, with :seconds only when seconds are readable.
12:10
